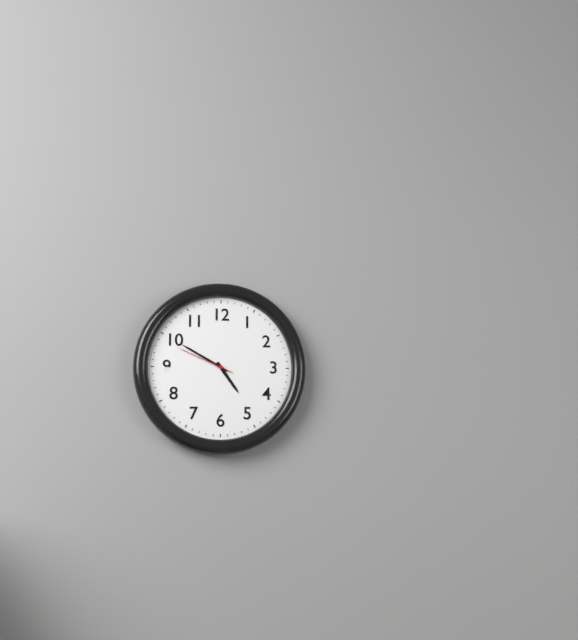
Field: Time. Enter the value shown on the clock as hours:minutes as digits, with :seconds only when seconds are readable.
4:50:49
